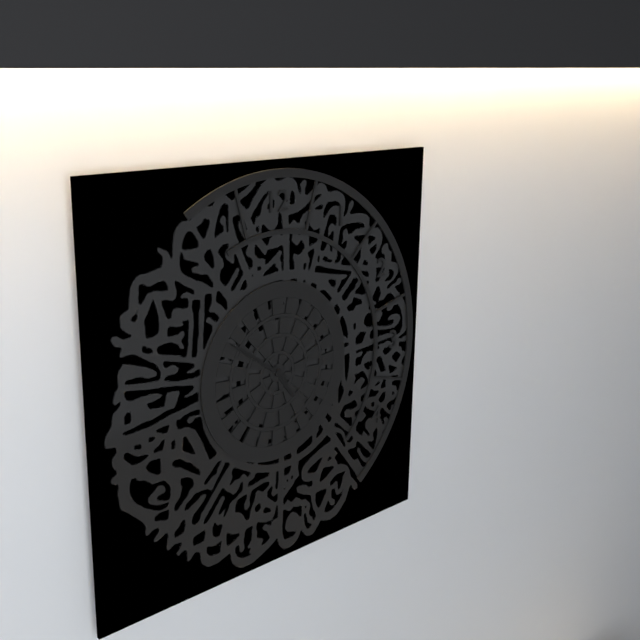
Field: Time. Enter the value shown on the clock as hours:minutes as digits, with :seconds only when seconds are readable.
4:51
